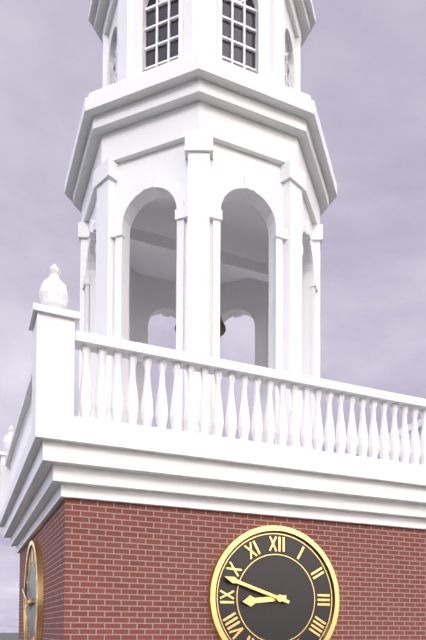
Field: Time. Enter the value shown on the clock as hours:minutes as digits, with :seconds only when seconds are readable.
8:48
